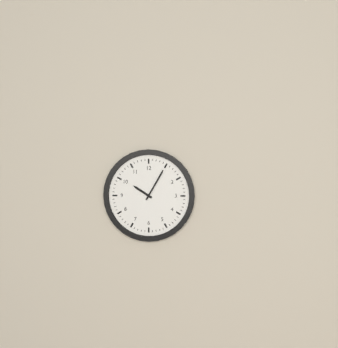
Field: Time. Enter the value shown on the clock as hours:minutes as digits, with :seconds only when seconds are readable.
10:05
